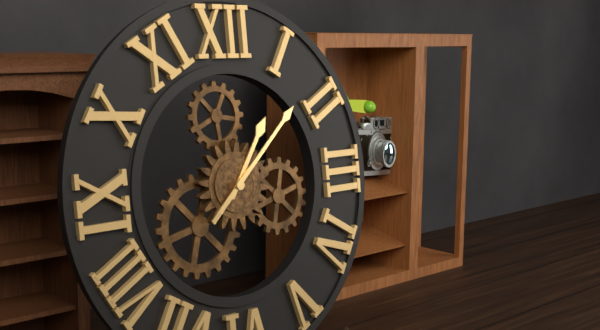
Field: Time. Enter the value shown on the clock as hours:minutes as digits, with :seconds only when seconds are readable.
1:08
